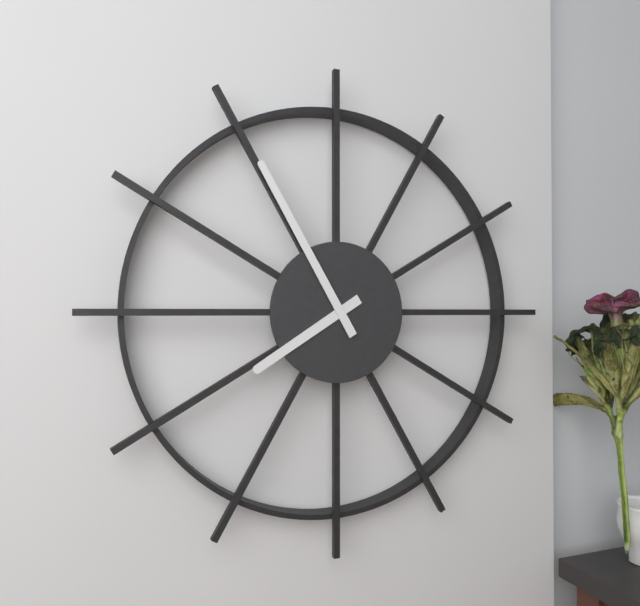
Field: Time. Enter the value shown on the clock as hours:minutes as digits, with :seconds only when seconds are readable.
7:55
